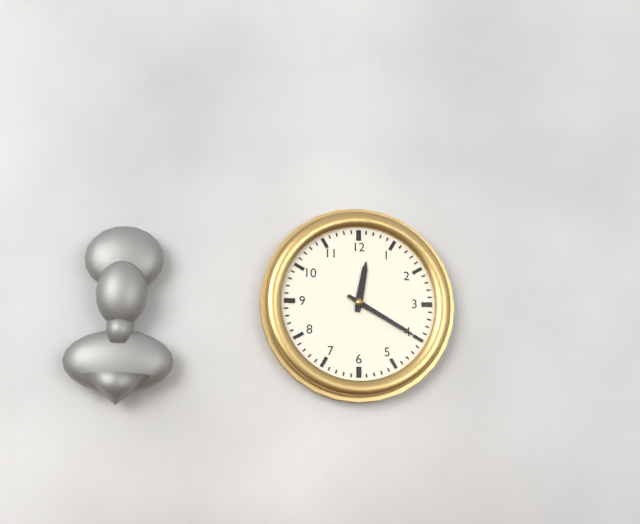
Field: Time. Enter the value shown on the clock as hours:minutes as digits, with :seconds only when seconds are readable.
12:20
